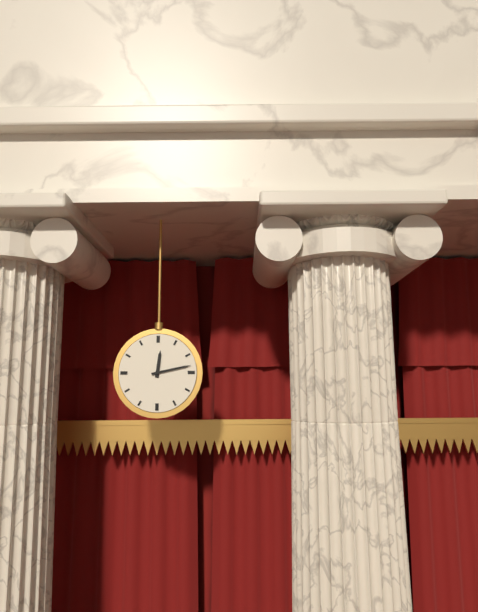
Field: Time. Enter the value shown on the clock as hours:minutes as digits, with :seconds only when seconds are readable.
12:13
